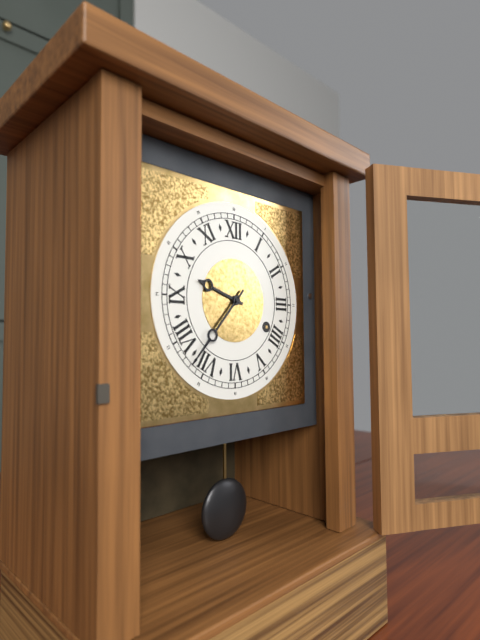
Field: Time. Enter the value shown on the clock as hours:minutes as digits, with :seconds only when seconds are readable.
9:37
